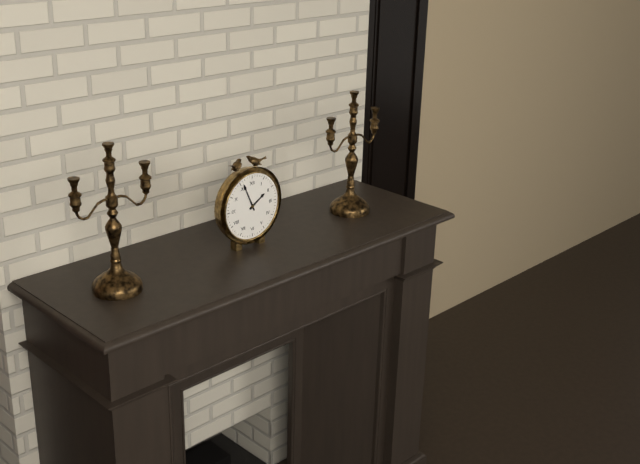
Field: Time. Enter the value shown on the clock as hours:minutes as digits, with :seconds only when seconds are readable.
1:56
